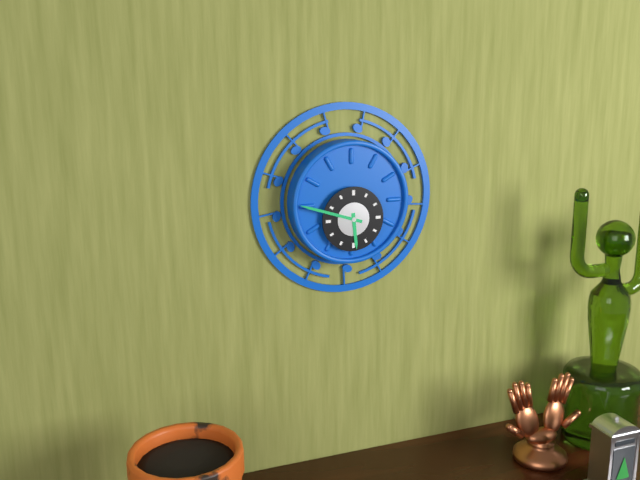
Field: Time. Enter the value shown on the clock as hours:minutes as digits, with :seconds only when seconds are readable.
5:48
